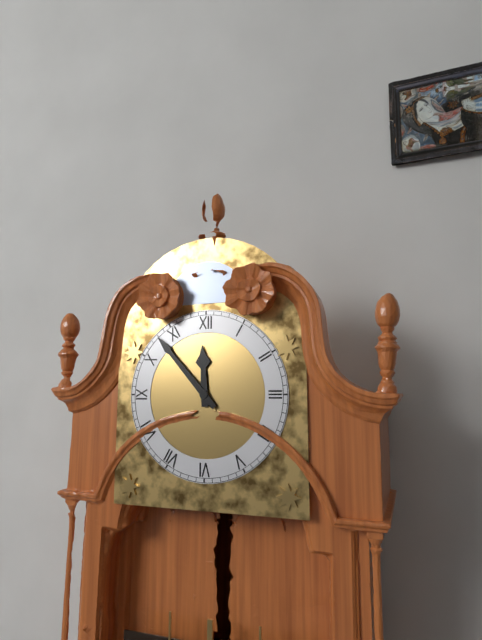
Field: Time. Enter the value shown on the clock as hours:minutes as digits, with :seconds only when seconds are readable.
11:53
